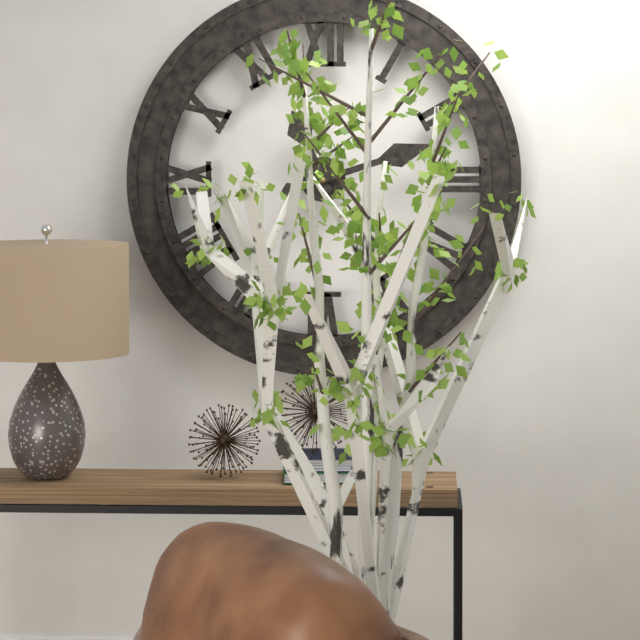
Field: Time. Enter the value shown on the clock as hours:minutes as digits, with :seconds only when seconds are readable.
11:12
